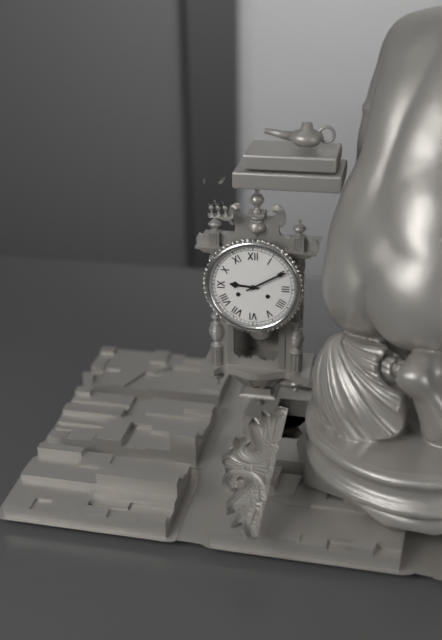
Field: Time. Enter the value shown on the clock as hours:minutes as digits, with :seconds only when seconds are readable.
9:10
